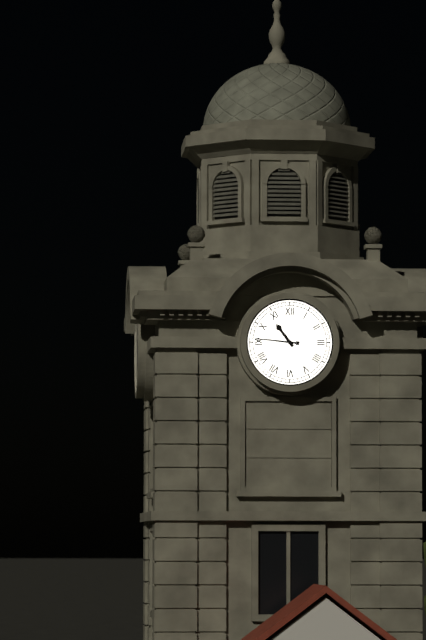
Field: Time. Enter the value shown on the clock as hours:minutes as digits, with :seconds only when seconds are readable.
10:46
